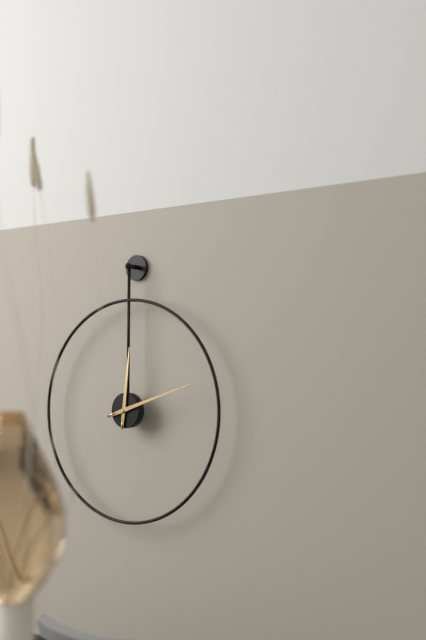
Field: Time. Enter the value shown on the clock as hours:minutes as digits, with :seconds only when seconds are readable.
12:12
